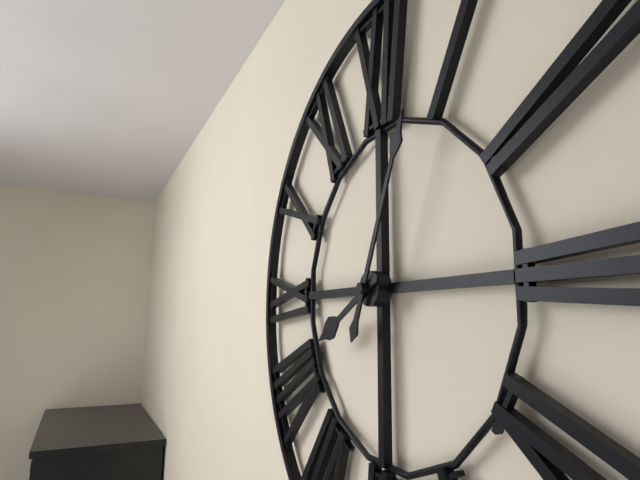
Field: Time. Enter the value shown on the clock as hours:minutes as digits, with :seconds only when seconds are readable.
8:04
